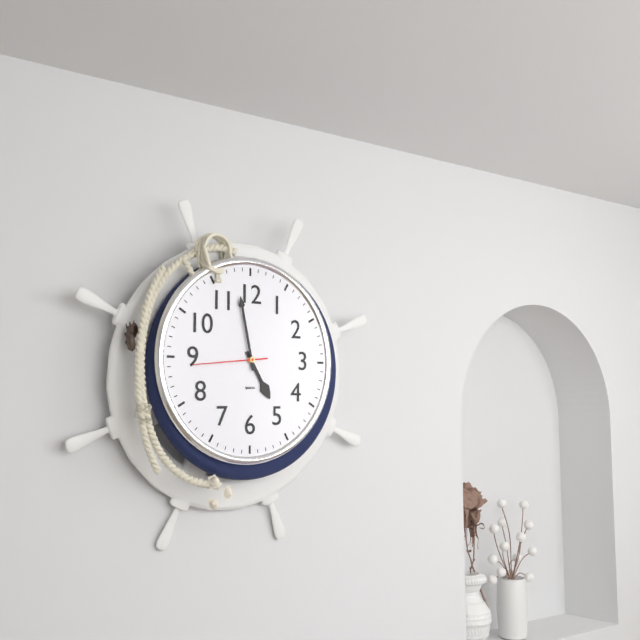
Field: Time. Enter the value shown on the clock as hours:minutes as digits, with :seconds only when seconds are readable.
4:58:44
